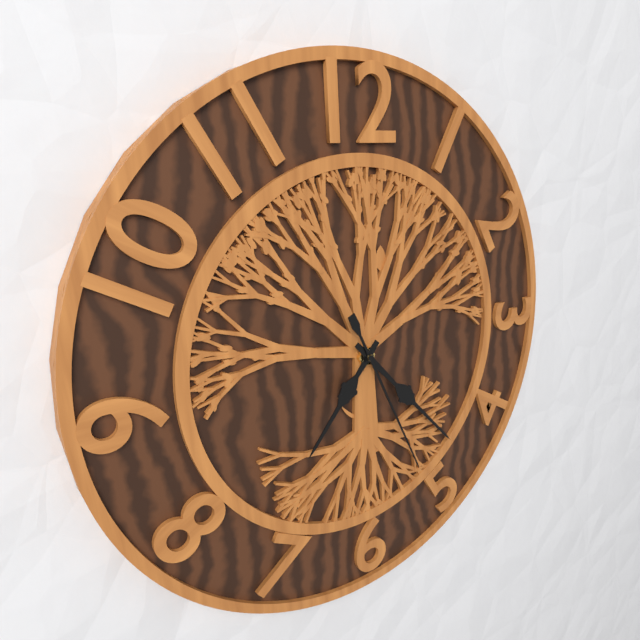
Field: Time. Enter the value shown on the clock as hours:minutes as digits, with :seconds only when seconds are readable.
7:23:26
